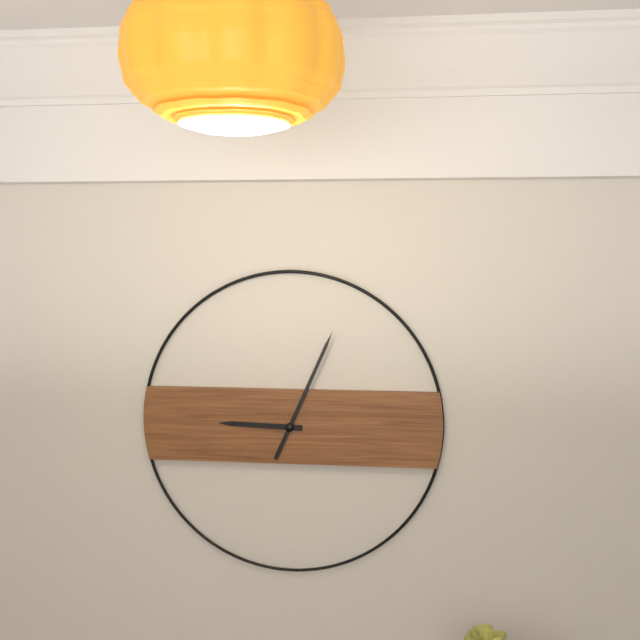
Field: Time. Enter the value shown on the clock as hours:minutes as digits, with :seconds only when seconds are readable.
9:04
